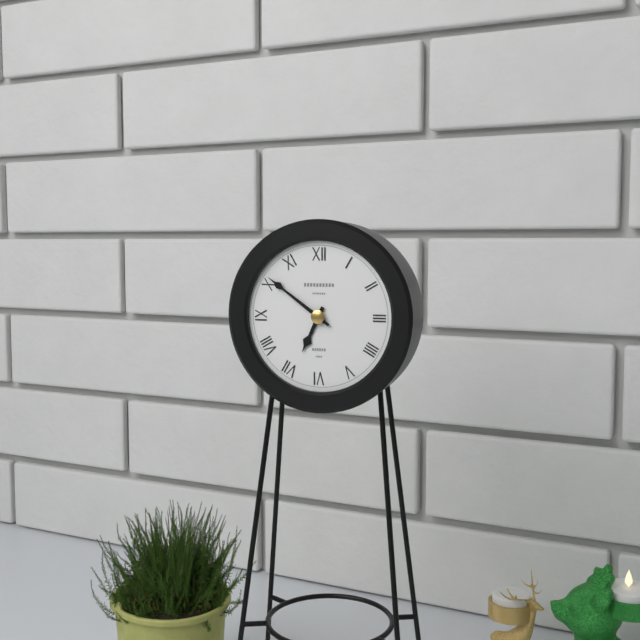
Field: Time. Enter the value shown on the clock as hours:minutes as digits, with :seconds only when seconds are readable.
6:51
